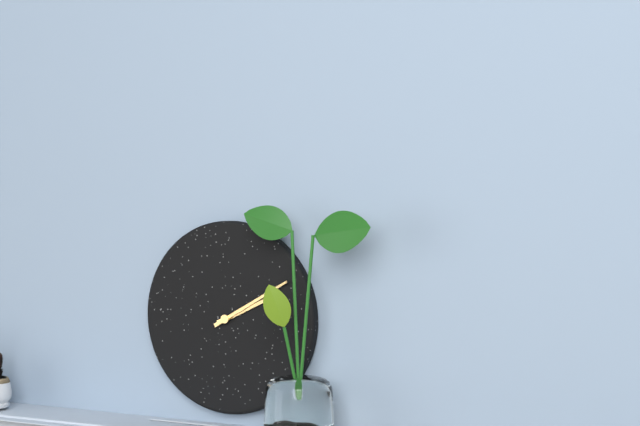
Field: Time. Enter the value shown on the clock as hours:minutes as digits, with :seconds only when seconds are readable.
2:10
